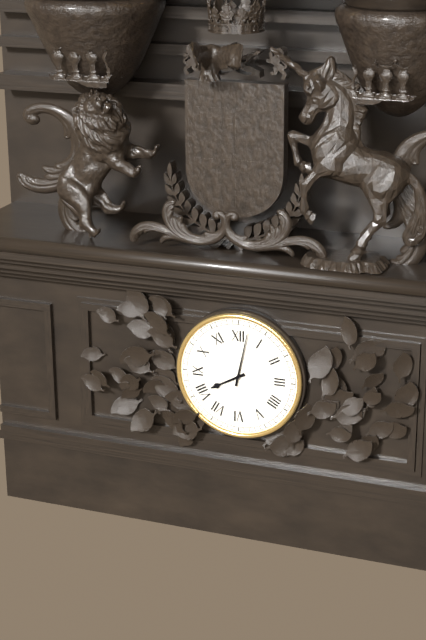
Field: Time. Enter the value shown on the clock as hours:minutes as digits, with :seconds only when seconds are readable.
8:02
